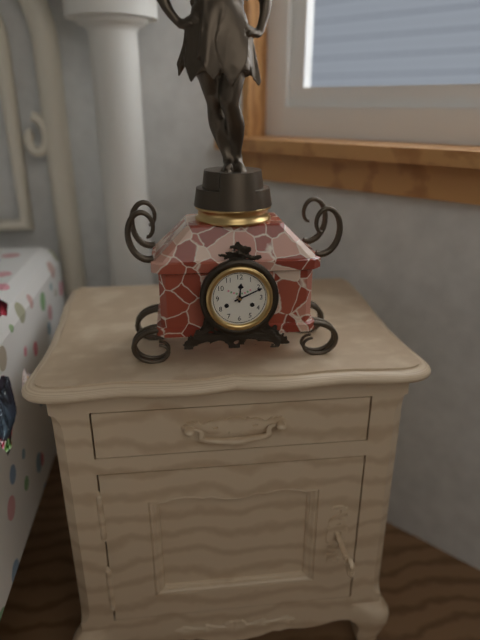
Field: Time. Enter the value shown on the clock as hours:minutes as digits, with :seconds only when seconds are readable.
12:11
